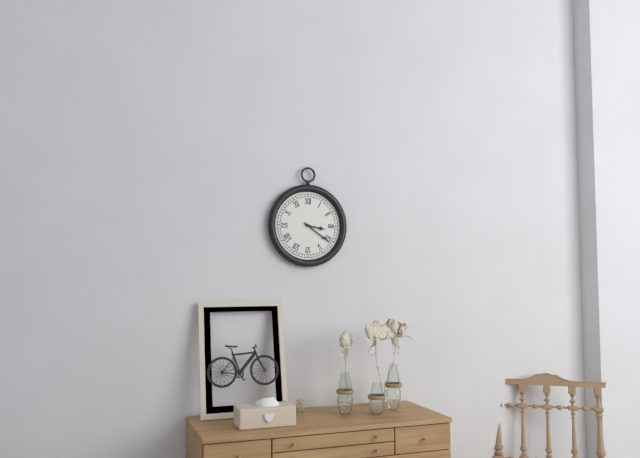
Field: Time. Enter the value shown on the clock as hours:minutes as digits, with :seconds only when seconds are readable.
3:21
